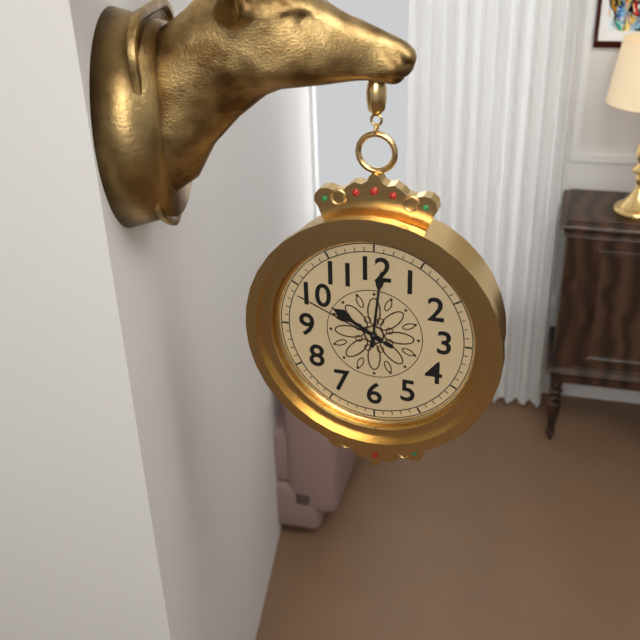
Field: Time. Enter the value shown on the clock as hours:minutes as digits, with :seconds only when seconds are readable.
10:01:49
